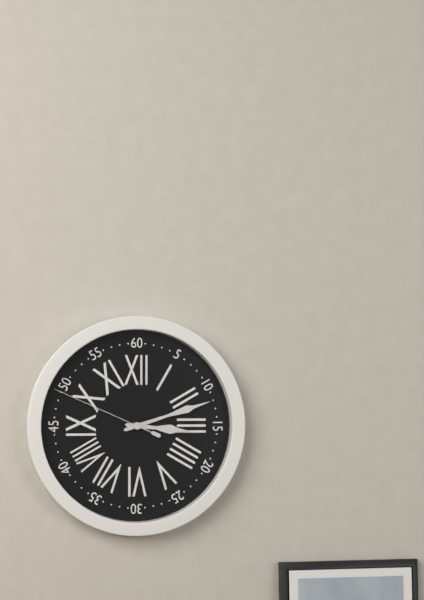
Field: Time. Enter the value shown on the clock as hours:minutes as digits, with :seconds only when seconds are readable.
3:12:49
